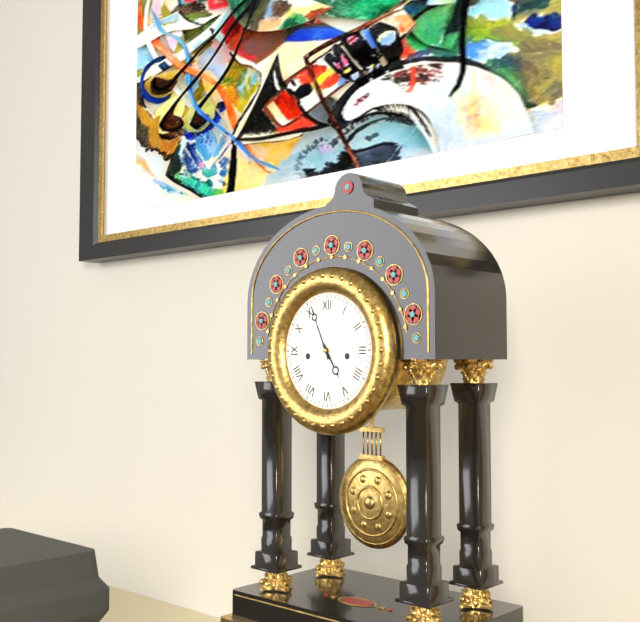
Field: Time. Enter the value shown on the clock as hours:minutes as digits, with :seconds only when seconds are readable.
4:56
